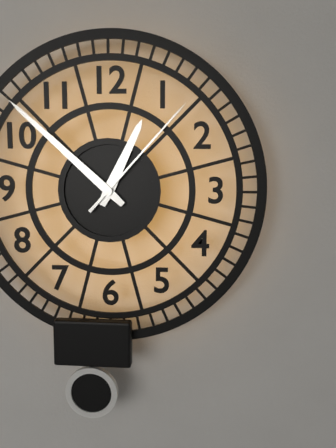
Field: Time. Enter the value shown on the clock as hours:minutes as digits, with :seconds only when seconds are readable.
12:52:07
